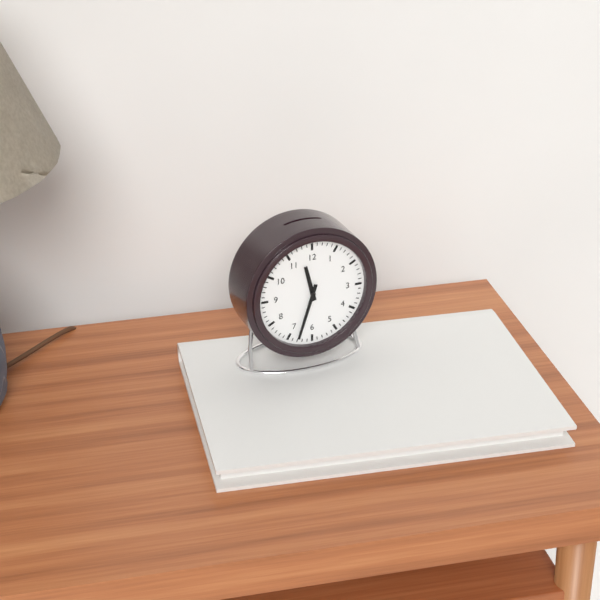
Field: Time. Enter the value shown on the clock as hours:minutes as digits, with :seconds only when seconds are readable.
11:33
